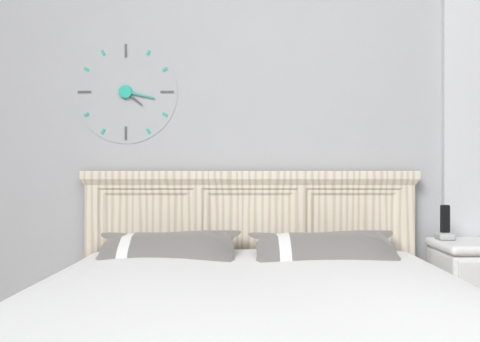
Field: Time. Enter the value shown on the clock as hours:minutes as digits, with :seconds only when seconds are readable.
4:17
